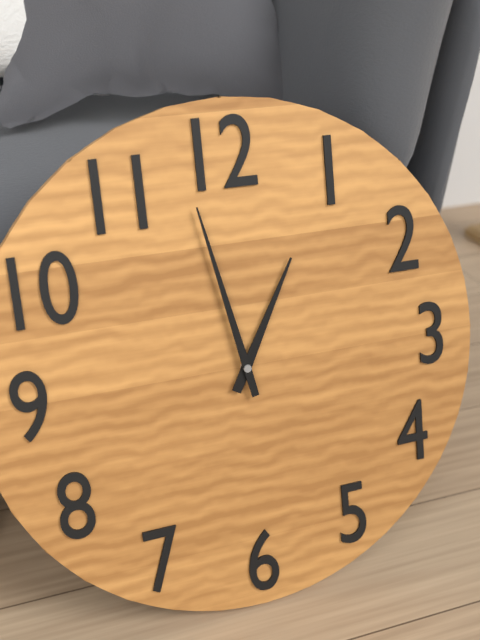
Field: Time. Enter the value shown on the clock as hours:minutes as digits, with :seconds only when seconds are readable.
12:58
